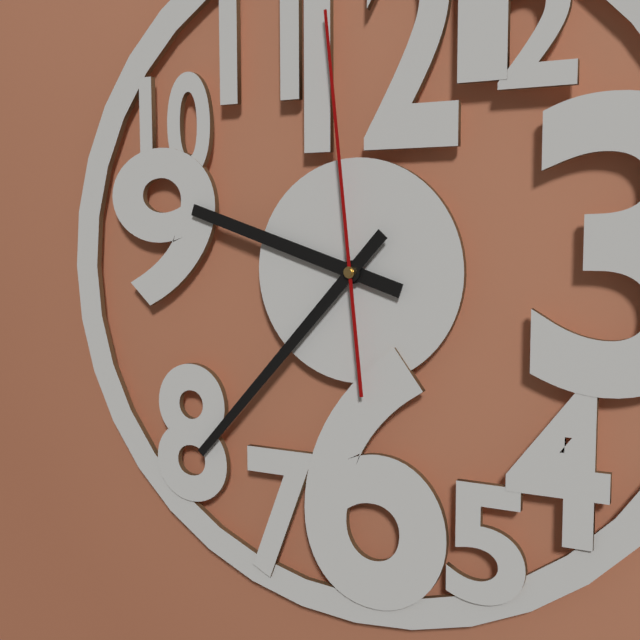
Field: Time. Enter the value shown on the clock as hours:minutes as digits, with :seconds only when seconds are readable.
9:37:59
